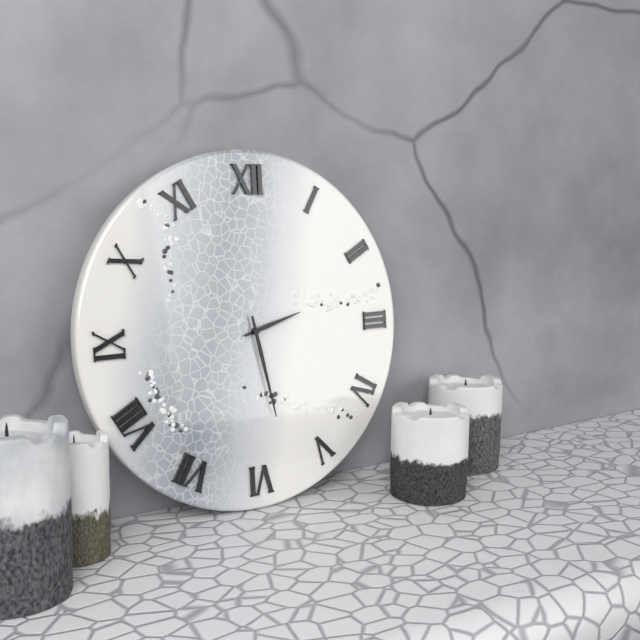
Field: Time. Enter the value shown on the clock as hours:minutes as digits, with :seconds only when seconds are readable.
2:28
